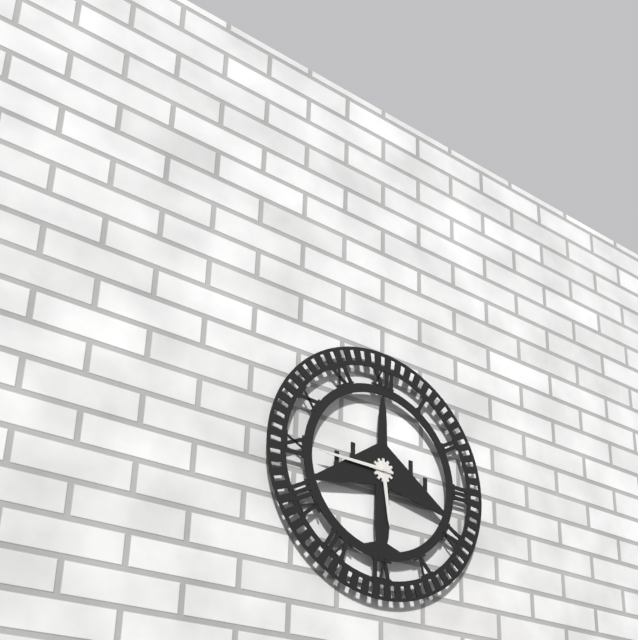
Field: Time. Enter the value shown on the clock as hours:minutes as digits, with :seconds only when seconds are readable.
5:45
